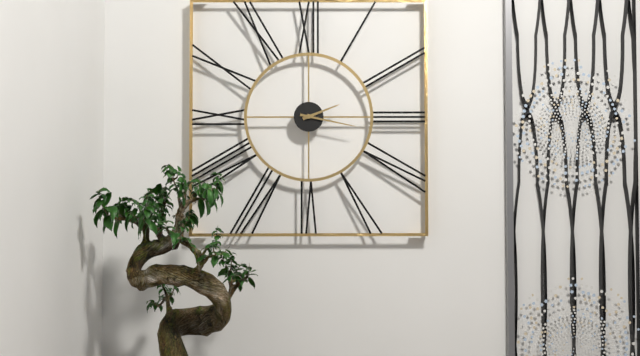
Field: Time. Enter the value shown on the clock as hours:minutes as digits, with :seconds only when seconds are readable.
2:17
